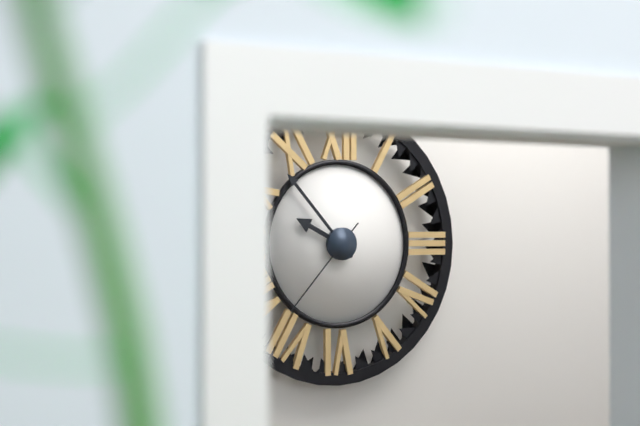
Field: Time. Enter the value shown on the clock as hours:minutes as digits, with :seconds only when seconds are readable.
9:53:37
